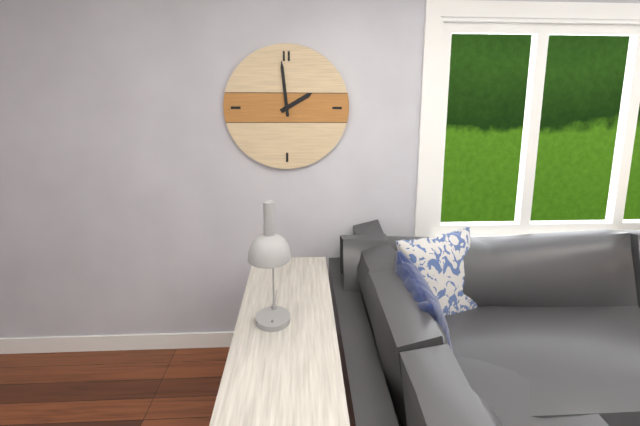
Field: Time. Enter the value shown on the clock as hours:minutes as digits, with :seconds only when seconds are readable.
1:59
